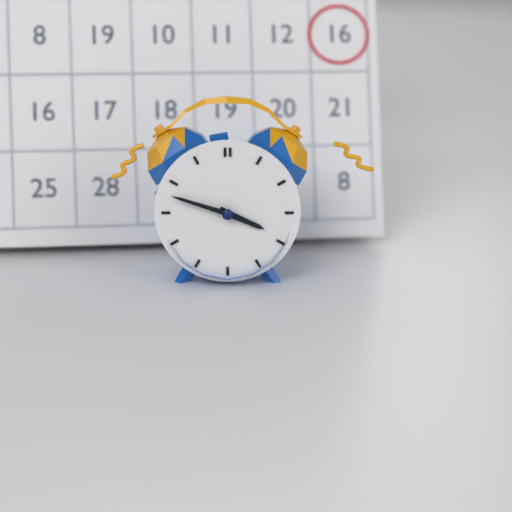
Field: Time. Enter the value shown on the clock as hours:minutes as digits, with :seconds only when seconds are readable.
3:48
